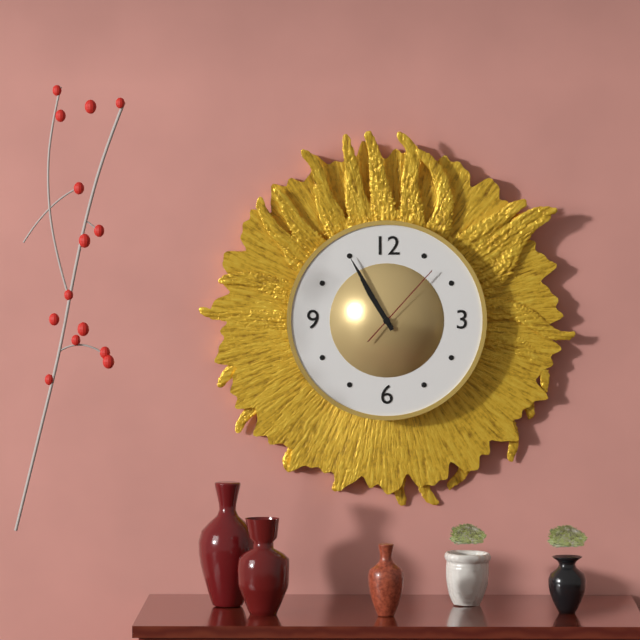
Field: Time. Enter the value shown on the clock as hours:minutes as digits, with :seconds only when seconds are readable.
10:55:07
